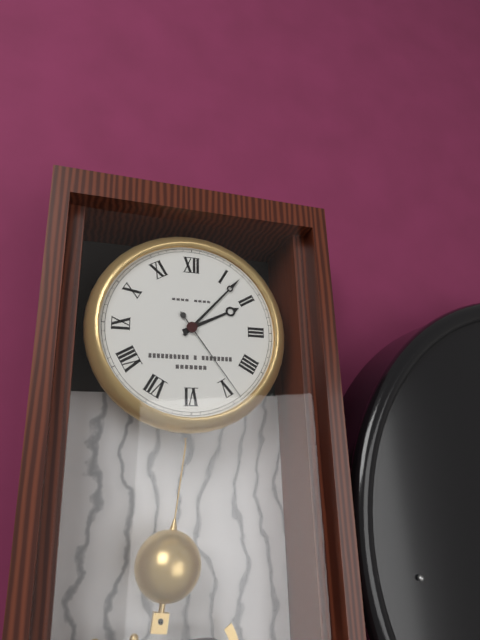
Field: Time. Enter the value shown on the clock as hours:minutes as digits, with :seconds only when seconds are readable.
2:07:24
